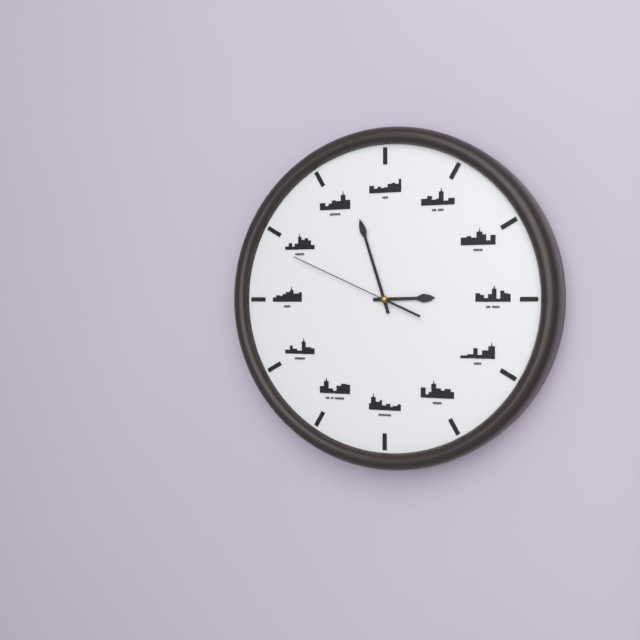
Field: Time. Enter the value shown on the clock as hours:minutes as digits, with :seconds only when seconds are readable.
2:57:49
